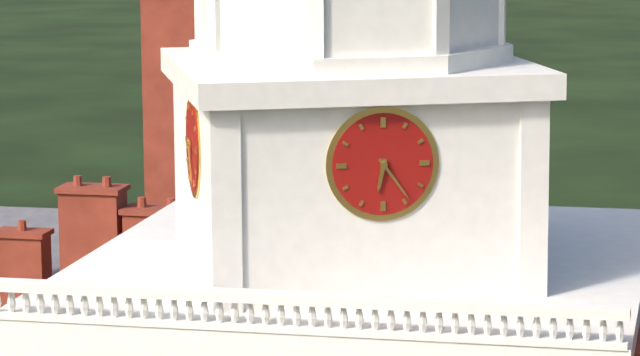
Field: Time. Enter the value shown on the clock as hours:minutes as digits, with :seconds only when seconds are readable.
6:24
